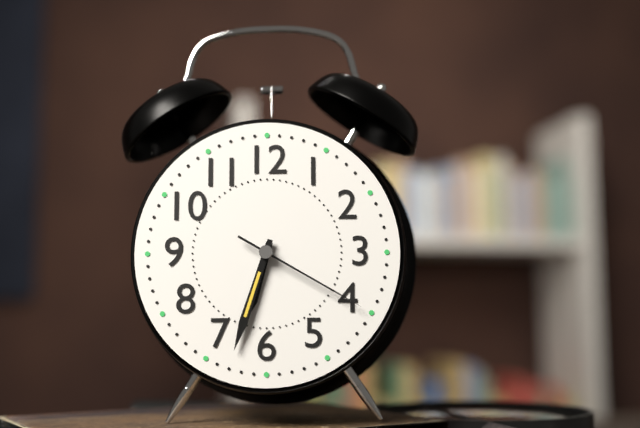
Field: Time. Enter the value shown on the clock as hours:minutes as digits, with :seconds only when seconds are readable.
6:33:20
